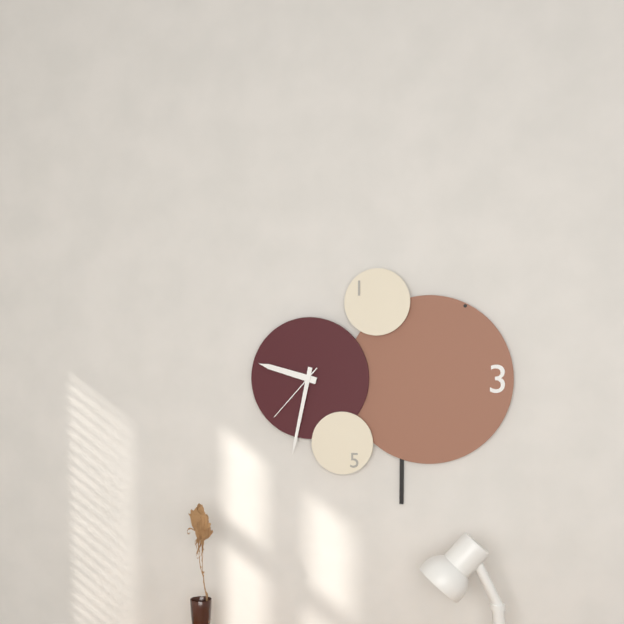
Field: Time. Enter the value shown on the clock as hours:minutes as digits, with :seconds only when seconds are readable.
9:32:37
